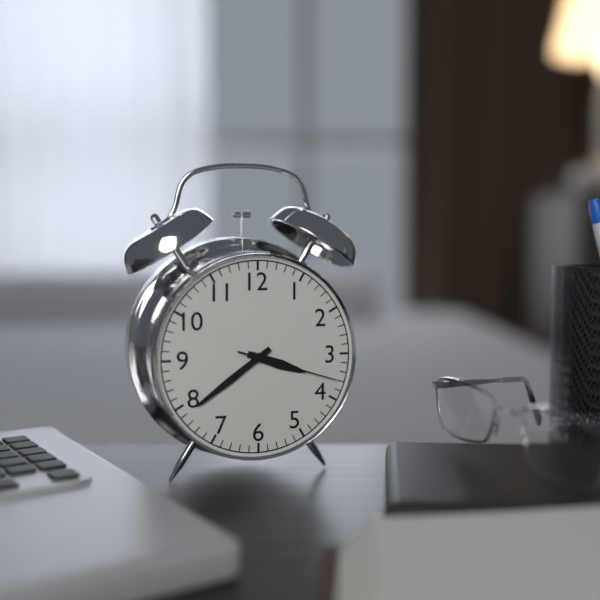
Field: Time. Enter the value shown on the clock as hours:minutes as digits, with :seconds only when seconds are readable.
3:39:18
